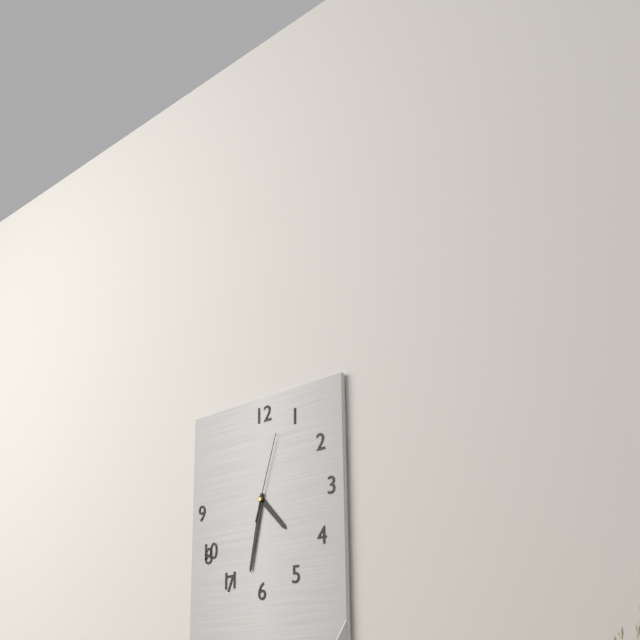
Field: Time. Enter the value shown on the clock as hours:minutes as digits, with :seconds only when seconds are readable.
4:32:03
